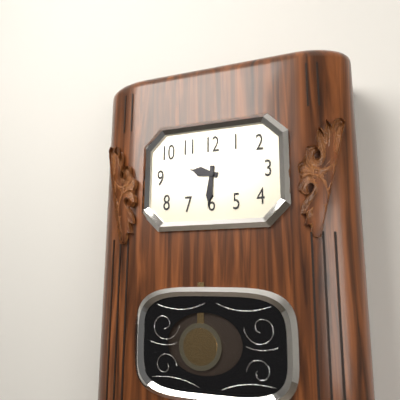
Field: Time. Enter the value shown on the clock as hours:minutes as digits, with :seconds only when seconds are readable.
9:31
